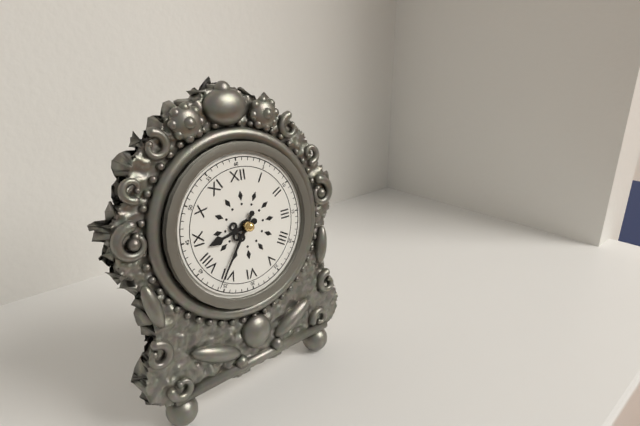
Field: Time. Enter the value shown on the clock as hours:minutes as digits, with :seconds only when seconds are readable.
8:36
